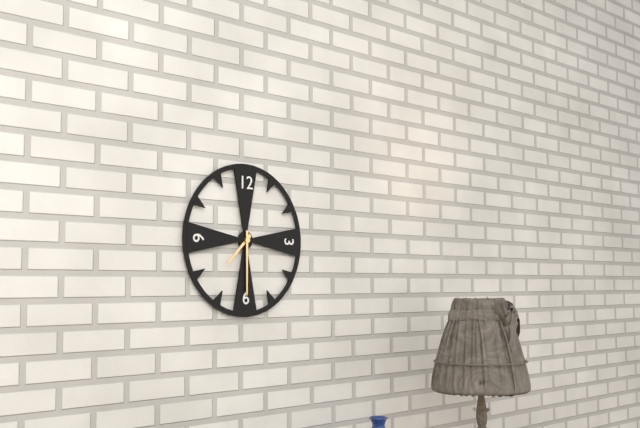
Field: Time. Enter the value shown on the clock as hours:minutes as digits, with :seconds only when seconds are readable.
7:30
